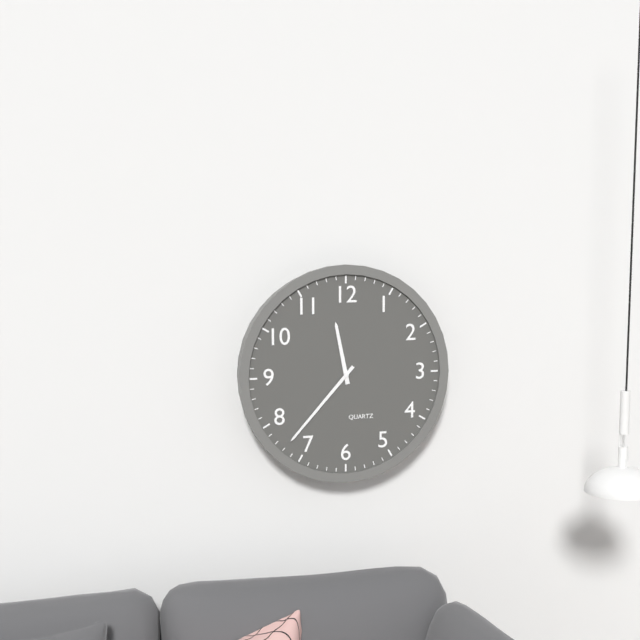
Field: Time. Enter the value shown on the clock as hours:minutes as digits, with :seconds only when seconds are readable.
11:37
